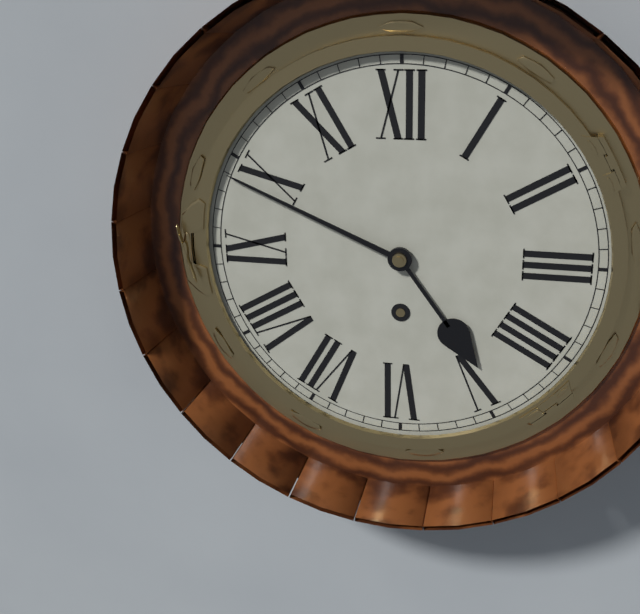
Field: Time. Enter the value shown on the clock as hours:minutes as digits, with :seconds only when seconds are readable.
4:49
